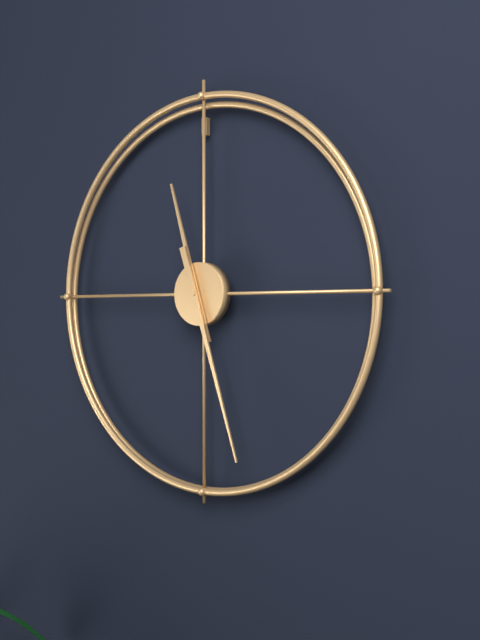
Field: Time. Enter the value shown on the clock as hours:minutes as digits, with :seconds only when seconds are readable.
11:27
